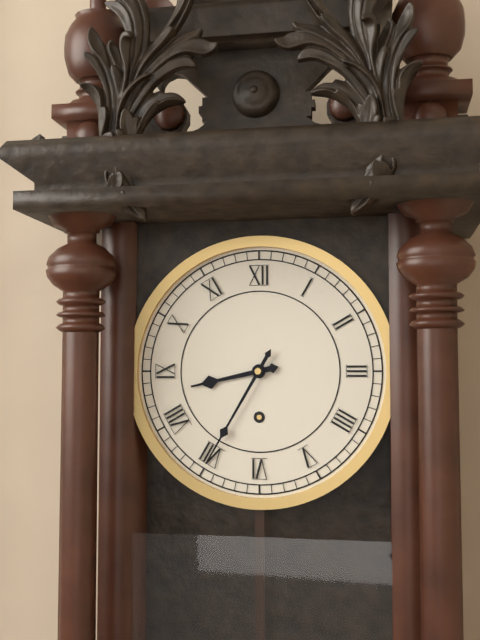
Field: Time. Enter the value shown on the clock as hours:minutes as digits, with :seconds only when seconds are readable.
8:35
